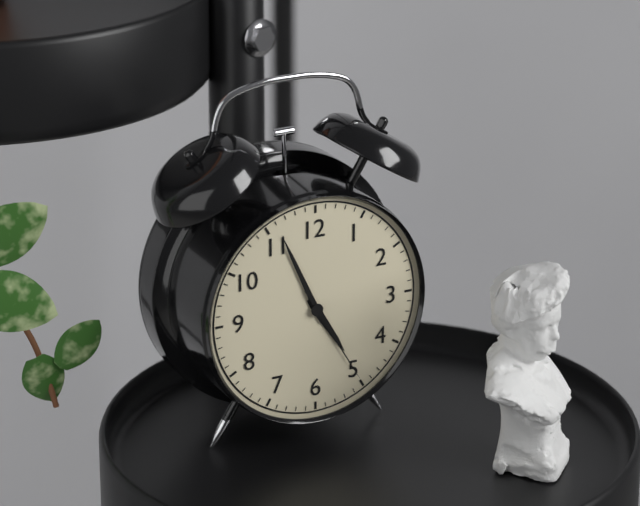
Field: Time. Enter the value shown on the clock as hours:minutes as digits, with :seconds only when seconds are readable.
4:56:25
